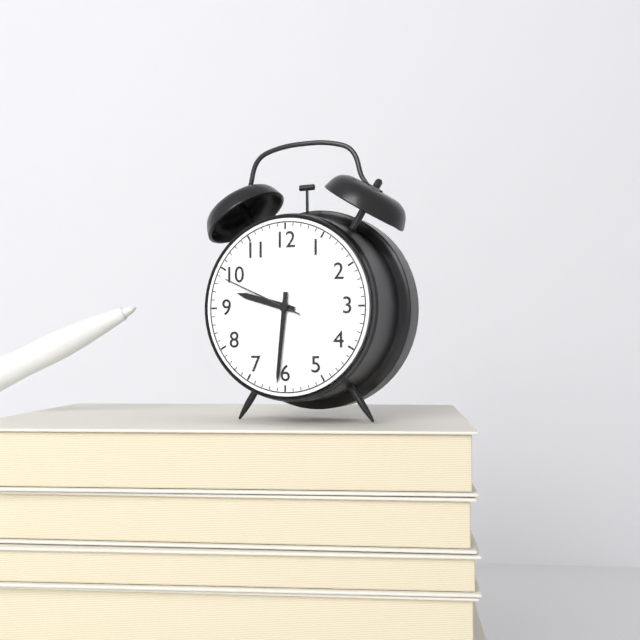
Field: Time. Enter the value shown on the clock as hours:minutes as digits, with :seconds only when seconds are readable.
9:31:49
